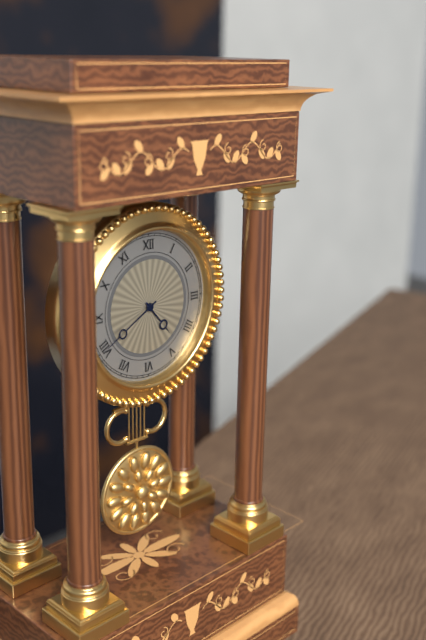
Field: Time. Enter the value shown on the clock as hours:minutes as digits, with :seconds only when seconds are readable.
4:40
